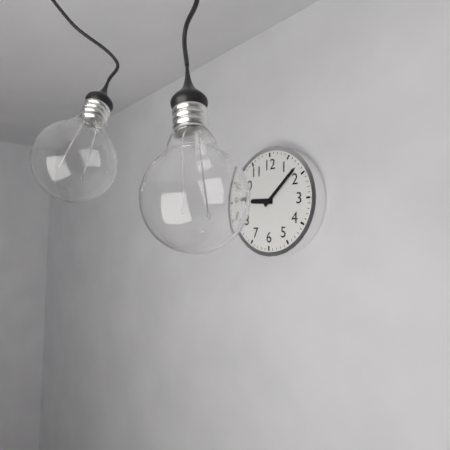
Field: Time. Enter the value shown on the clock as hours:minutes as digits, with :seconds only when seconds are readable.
9:08
